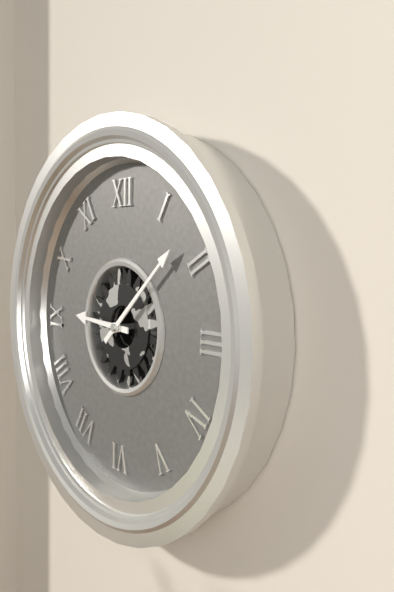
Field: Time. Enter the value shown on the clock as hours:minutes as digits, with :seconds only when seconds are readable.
9:08
